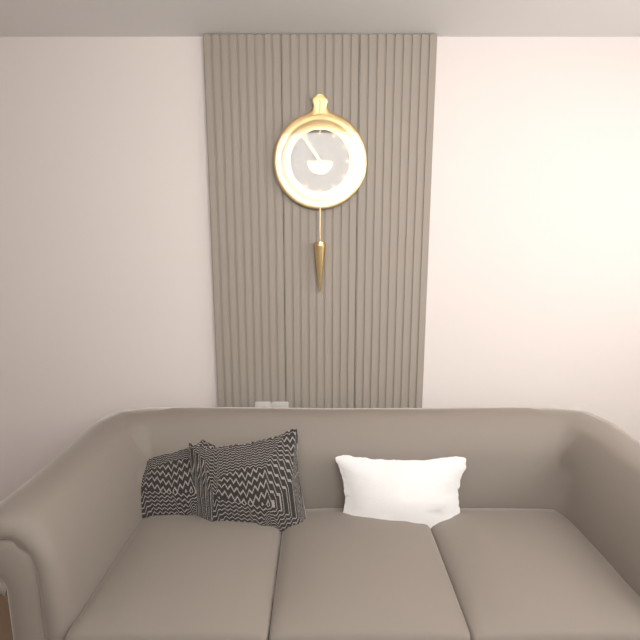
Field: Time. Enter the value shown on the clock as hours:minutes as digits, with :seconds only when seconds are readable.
10:54
